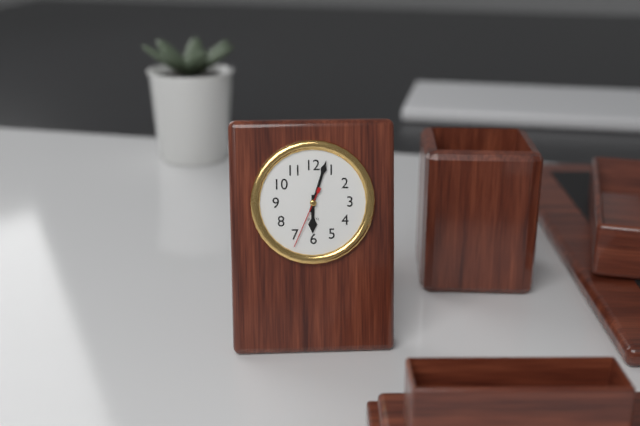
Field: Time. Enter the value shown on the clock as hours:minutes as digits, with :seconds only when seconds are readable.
6:03:34
